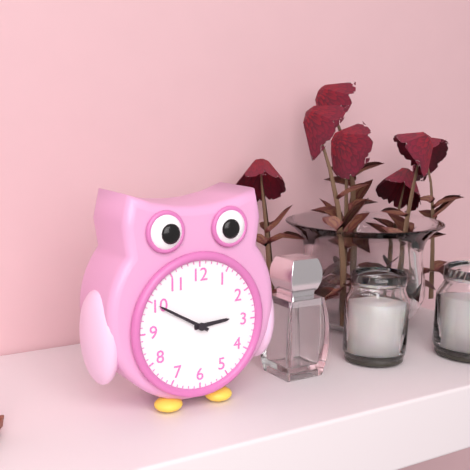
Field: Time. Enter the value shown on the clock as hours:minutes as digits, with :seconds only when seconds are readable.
2:50
